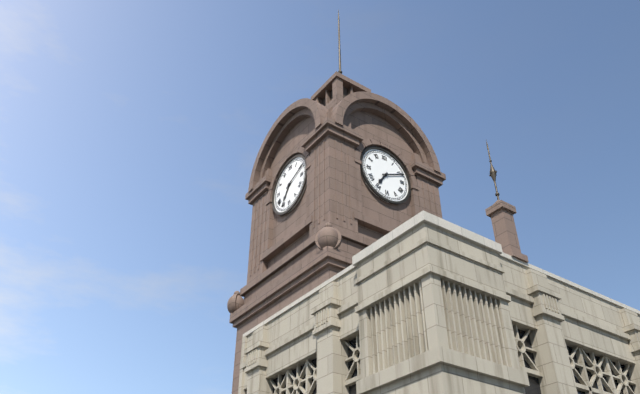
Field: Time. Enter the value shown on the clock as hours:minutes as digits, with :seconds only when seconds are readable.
7:11
